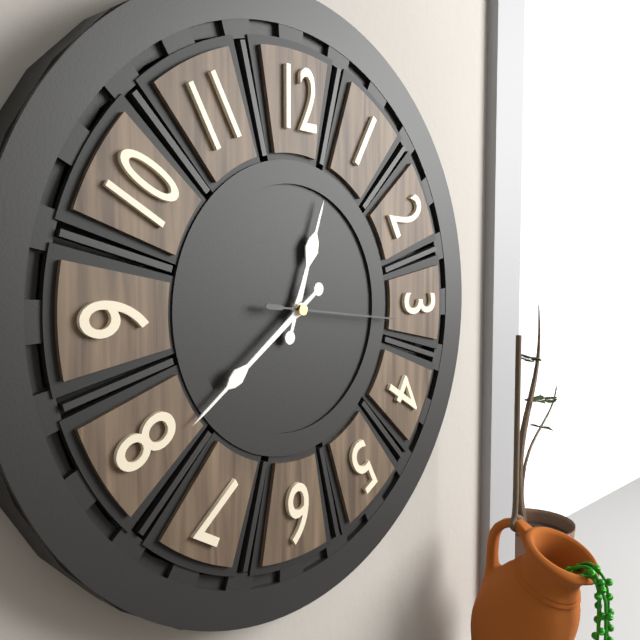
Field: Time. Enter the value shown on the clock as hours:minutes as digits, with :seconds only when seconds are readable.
12:39:16
